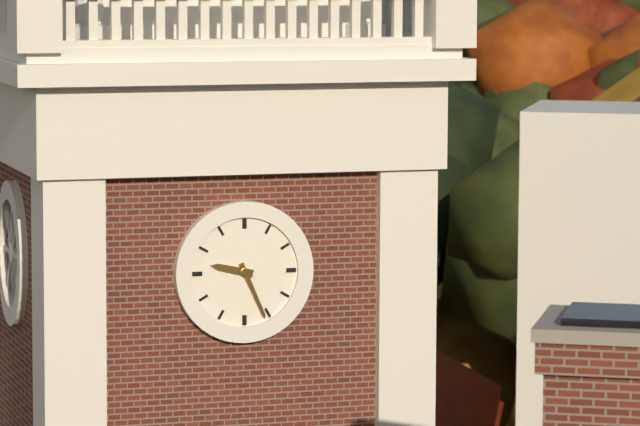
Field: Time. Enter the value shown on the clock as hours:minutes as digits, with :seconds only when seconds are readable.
9:26
